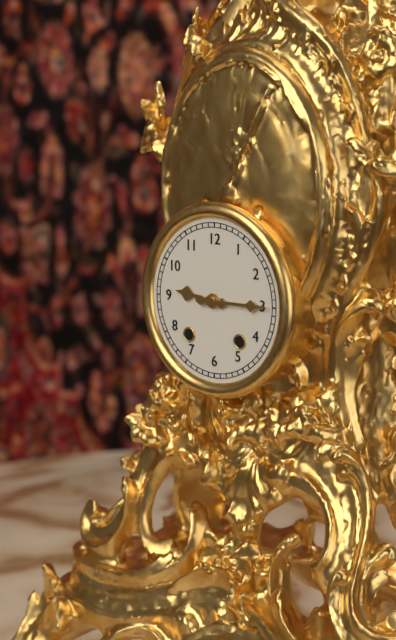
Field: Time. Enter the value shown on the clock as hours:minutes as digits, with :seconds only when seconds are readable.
9:15
